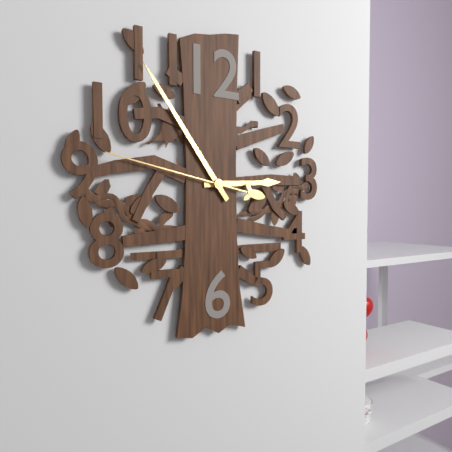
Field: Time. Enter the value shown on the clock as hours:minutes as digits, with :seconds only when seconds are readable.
2:54:47
